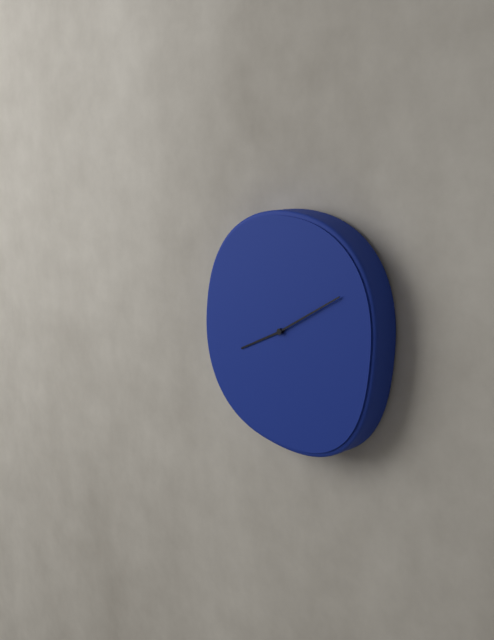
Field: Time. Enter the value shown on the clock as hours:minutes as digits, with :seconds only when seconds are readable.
8:10
